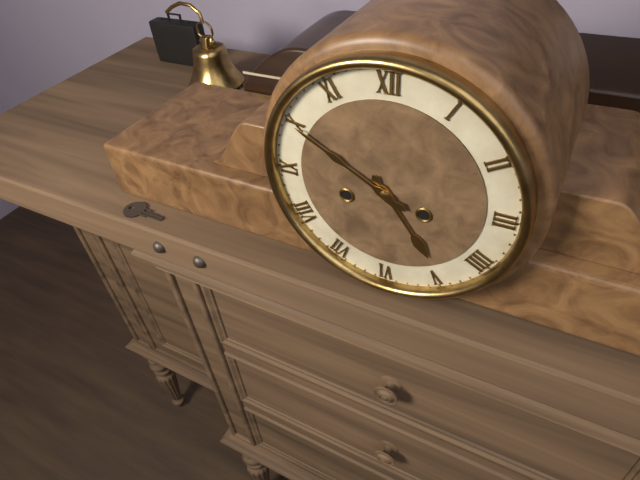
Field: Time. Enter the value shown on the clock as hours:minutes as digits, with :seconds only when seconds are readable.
4:50
